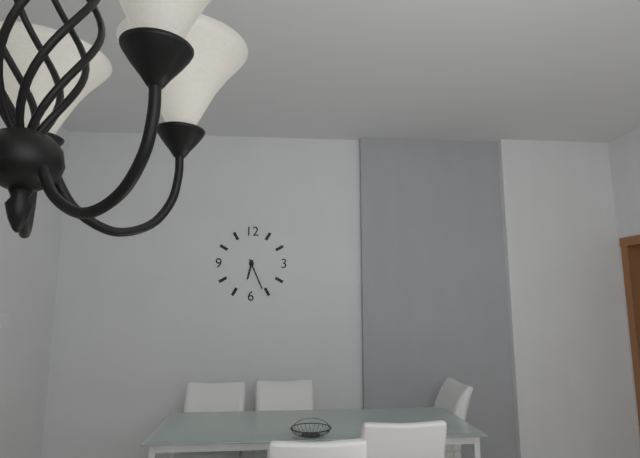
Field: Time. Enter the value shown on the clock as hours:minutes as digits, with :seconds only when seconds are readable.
6:26
